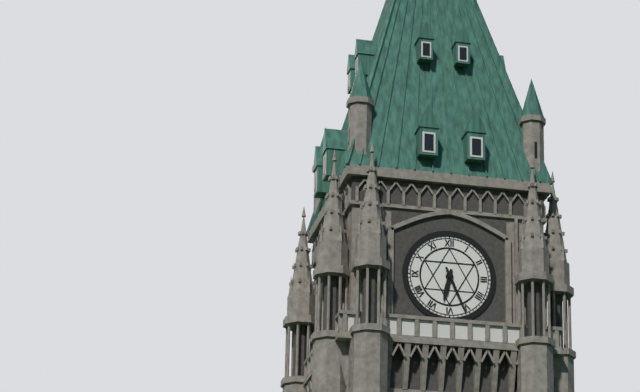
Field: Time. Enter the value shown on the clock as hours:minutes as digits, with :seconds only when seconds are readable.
6:26
